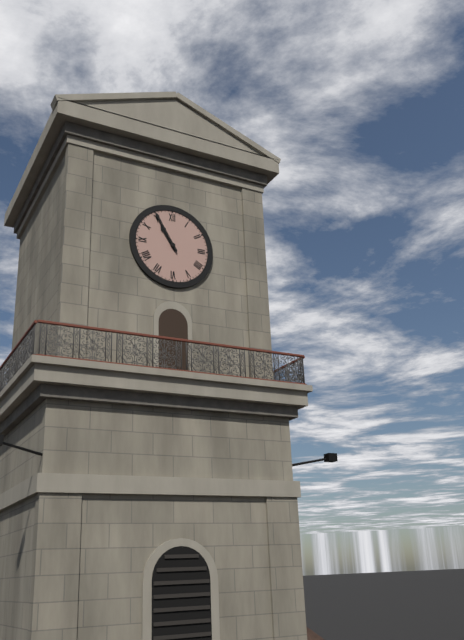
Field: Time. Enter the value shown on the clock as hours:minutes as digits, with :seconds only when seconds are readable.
10:55
